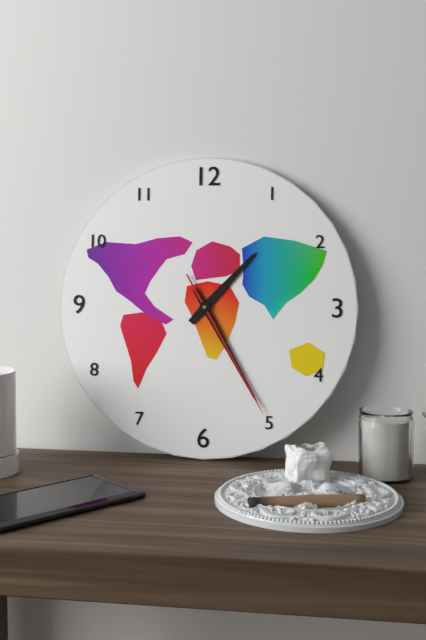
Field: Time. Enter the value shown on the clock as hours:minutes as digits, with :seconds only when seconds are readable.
1:25:25
